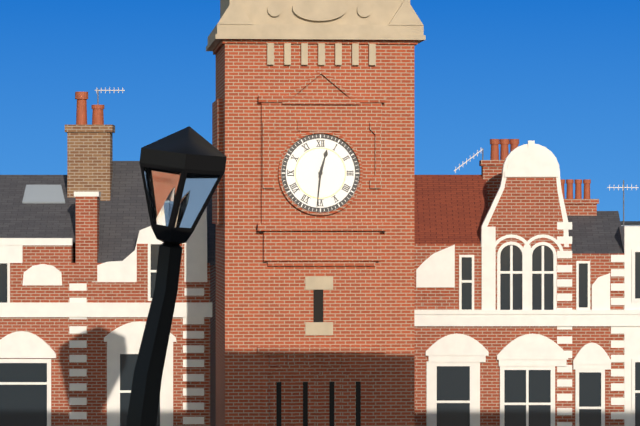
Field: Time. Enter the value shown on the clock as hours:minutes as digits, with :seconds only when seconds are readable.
12:31
